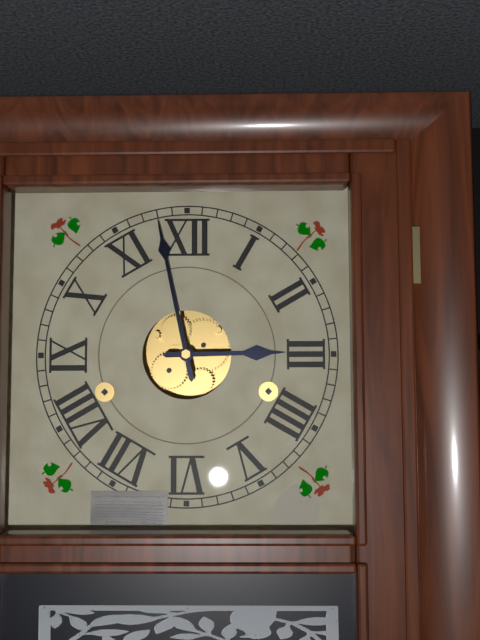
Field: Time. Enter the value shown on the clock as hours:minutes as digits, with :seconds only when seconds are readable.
2:58
